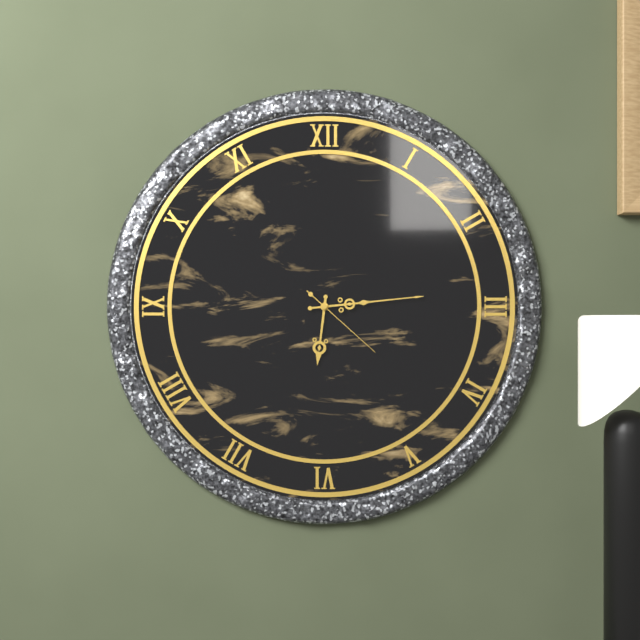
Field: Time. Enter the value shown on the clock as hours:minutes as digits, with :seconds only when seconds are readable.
6:14:22
